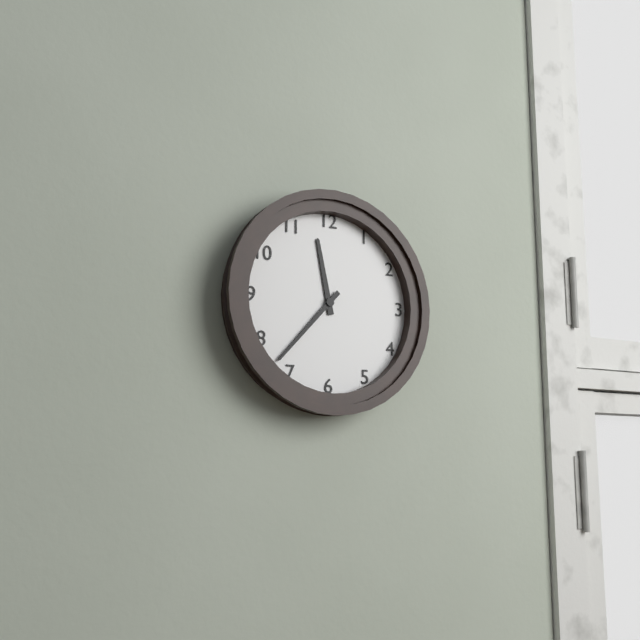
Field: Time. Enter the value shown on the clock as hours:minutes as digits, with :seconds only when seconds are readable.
11:37
